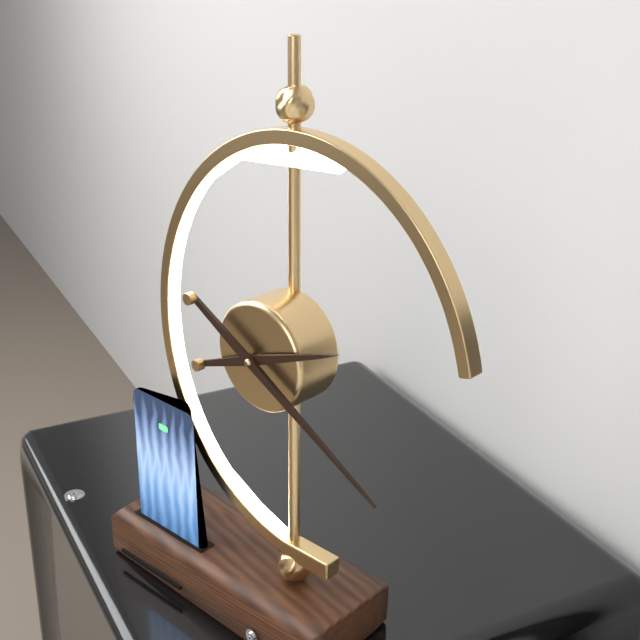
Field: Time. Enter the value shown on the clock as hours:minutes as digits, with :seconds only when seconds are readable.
2:20
